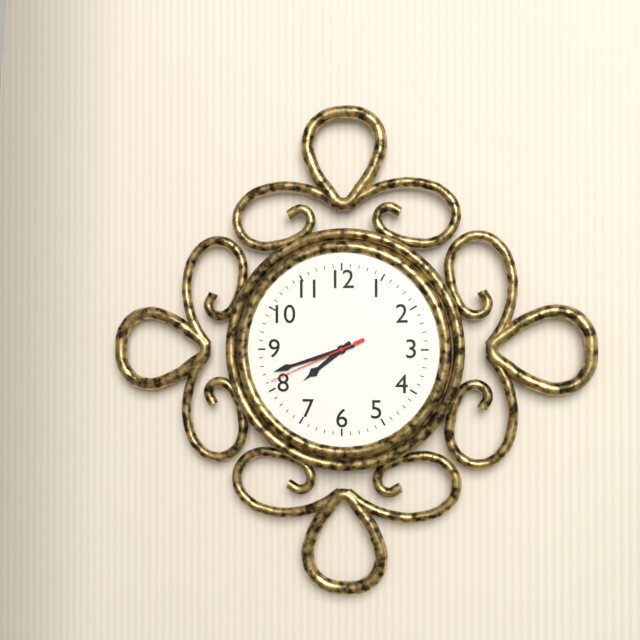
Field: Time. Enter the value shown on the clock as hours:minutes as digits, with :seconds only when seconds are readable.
7:42:41
